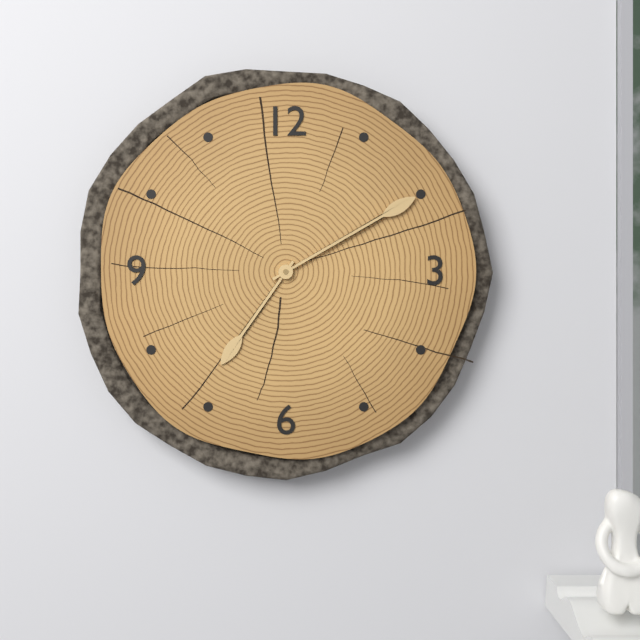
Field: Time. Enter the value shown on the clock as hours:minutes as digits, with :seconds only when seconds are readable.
7:10
